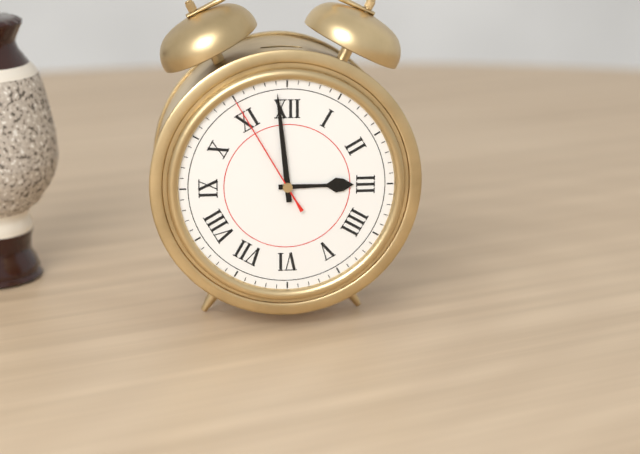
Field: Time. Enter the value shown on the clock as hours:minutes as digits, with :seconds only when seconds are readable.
2:59:55
